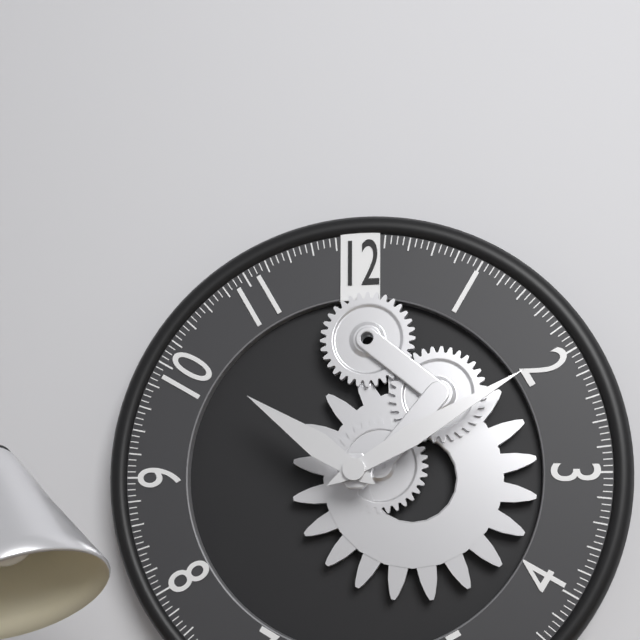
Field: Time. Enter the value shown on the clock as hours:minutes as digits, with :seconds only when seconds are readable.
10:10
